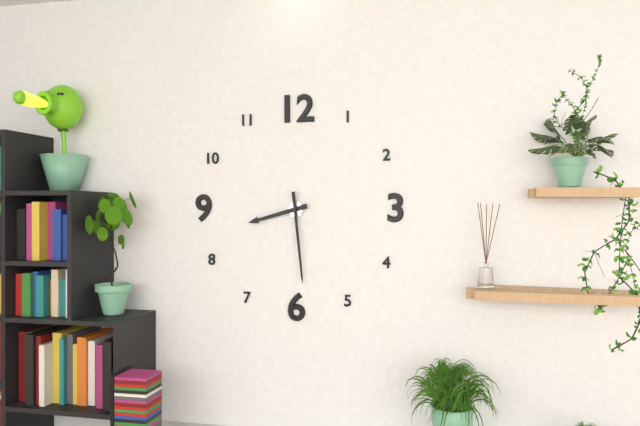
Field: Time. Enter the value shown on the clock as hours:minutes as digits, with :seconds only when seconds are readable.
8:29
